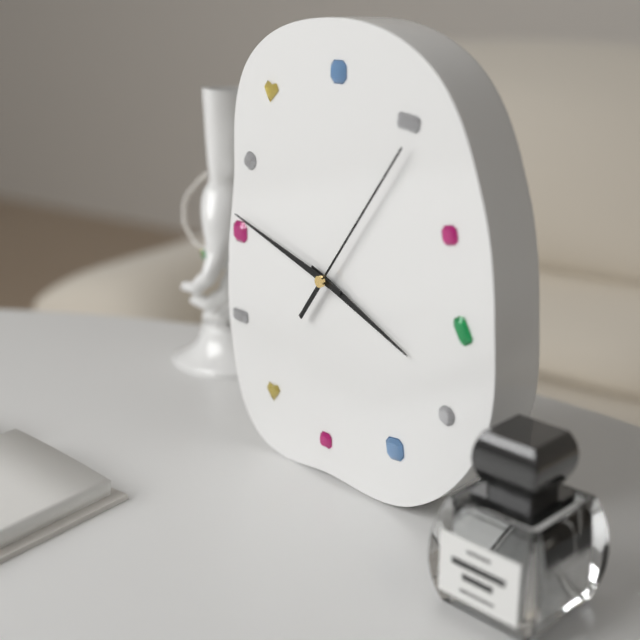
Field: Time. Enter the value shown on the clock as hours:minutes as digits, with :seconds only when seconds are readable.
3:48:06
